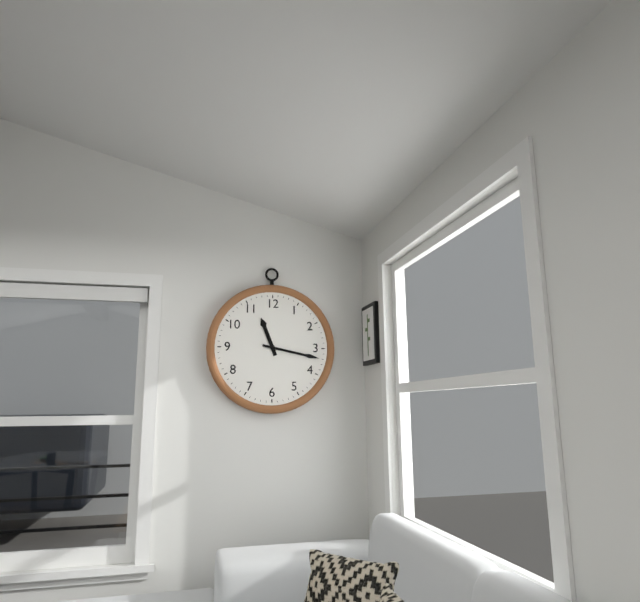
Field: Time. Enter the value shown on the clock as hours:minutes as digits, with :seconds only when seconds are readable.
11:17
